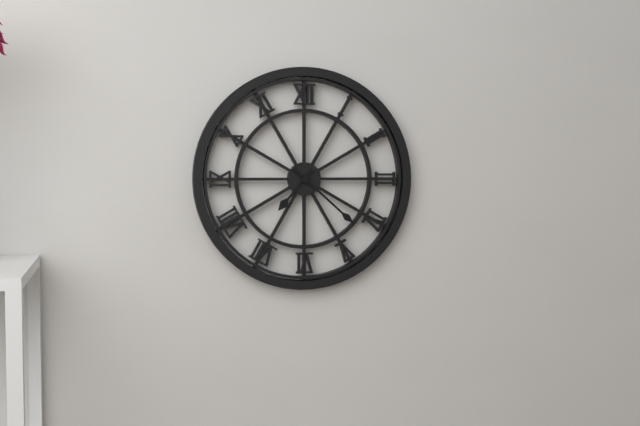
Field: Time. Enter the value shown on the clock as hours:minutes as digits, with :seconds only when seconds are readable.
7:22
